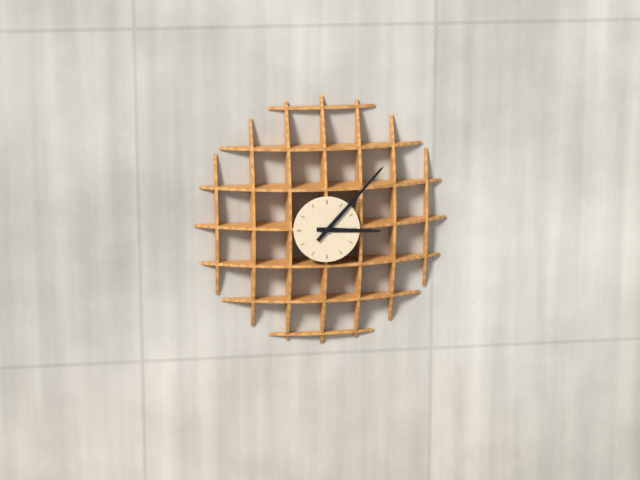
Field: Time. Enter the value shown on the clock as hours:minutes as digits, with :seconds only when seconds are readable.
3:07
